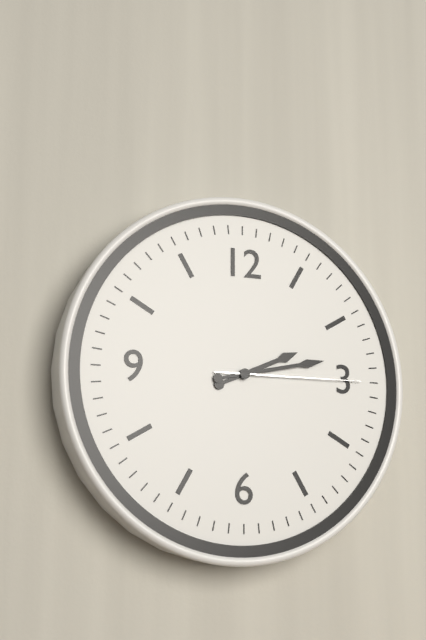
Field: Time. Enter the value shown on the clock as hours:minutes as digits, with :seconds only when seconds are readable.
2:13:15
